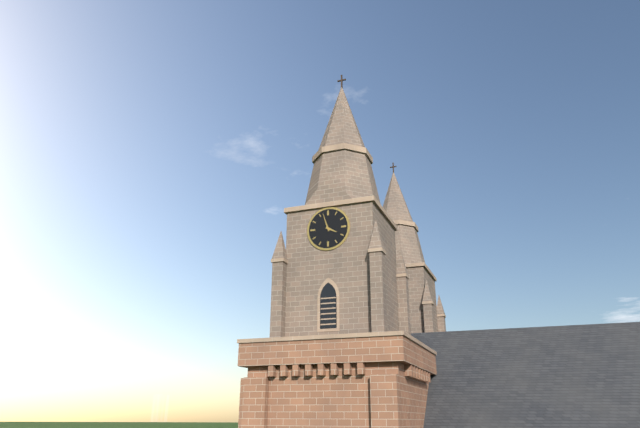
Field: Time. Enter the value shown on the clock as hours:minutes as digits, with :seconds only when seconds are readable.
3:57
